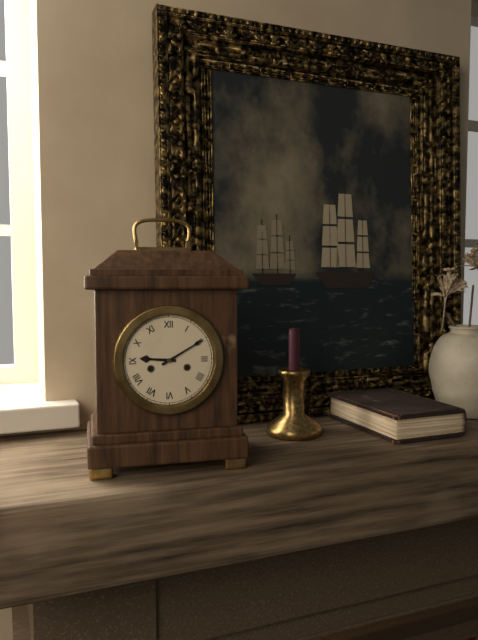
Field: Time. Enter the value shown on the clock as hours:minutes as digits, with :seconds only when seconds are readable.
9:10
